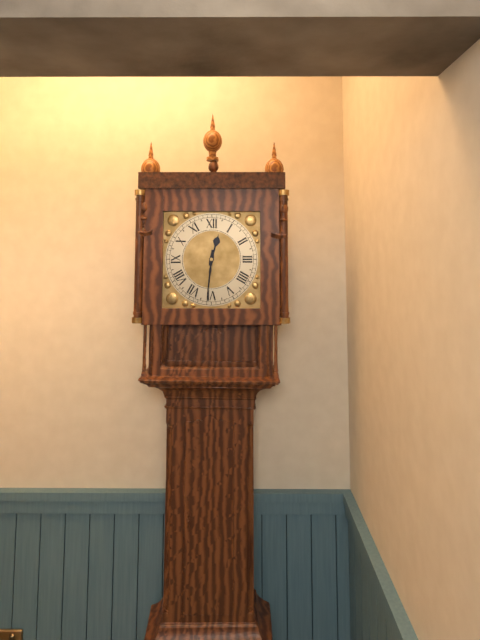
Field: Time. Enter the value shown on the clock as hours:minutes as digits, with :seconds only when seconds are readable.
12:31
